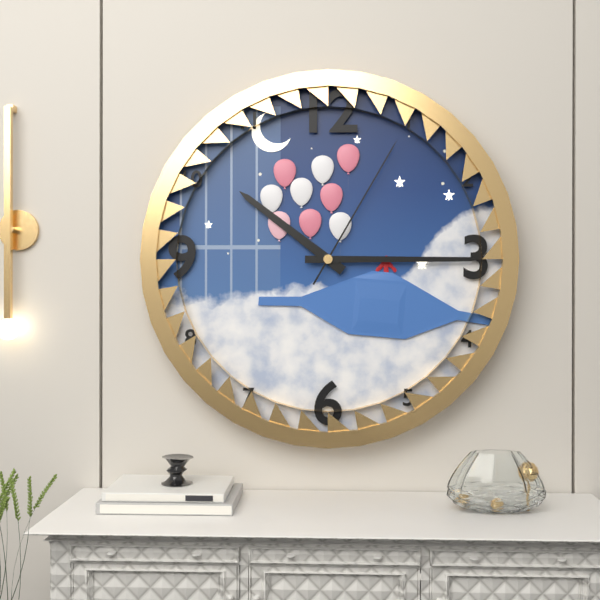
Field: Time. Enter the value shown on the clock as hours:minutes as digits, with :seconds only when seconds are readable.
10:15:05
